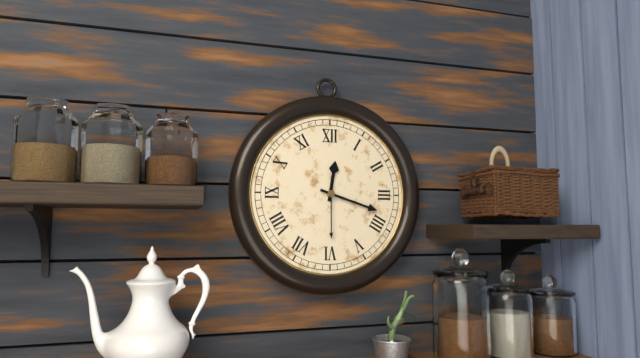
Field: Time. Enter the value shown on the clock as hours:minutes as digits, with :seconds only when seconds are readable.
12:18:30
